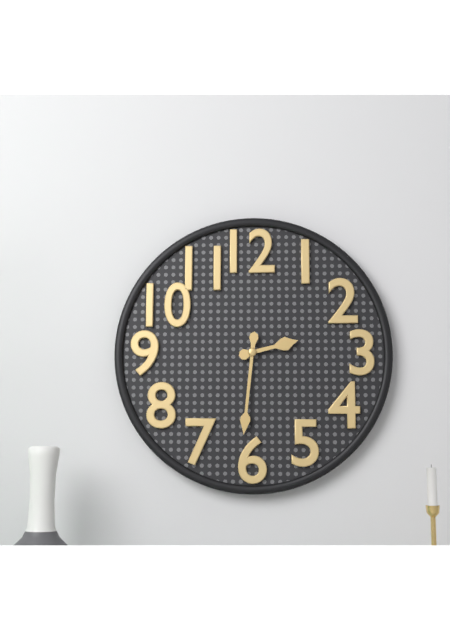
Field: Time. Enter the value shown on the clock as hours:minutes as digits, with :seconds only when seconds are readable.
2:31
